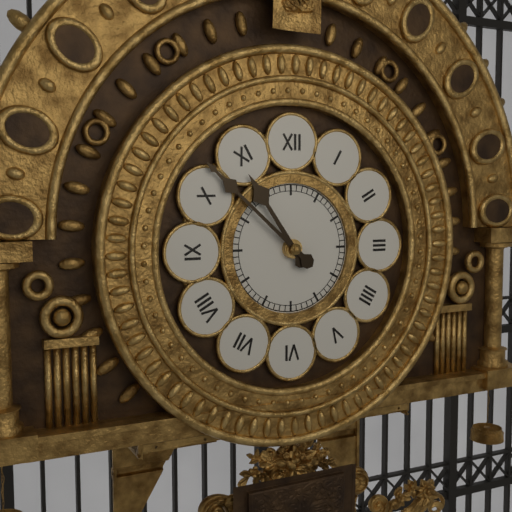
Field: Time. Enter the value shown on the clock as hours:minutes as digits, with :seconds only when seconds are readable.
10:52
